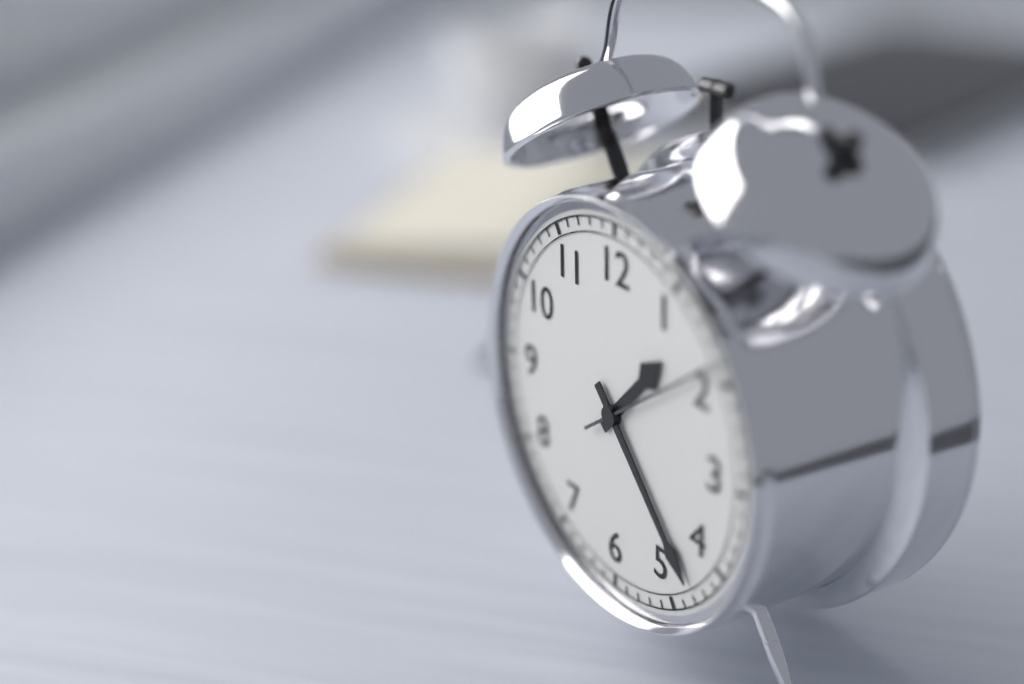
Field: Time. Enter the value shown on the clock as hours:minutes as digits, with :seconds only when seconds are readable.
1:23:09
